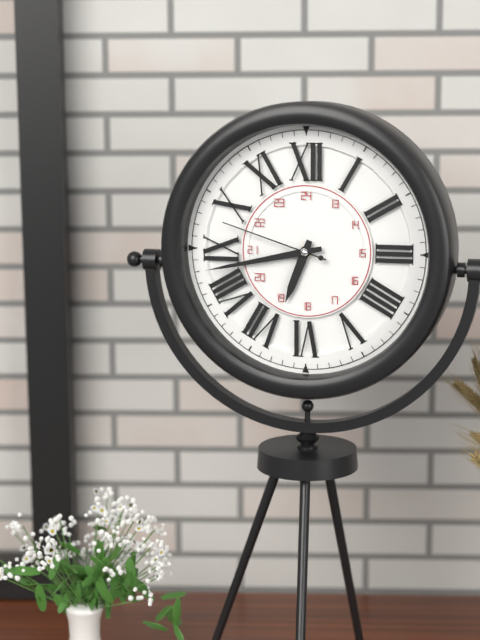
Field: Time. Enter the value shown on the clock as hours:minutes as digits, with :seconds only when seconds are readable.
6:43:48
